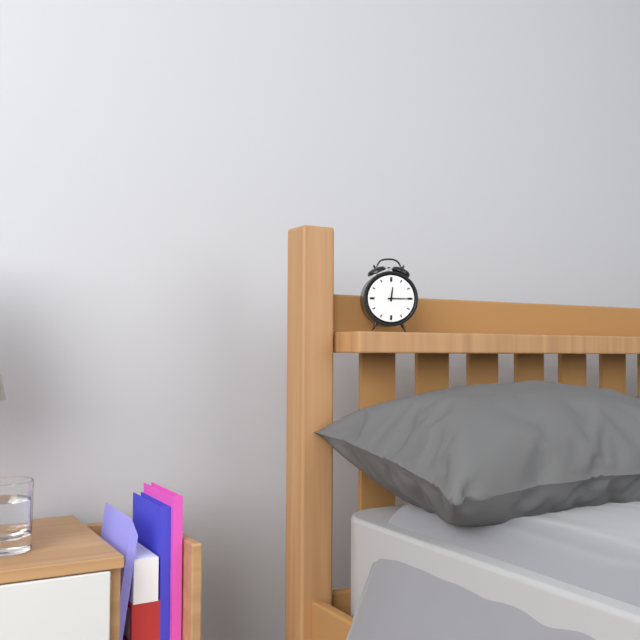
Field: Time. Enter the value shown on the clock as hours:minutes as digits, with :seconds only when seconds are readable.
12:15
